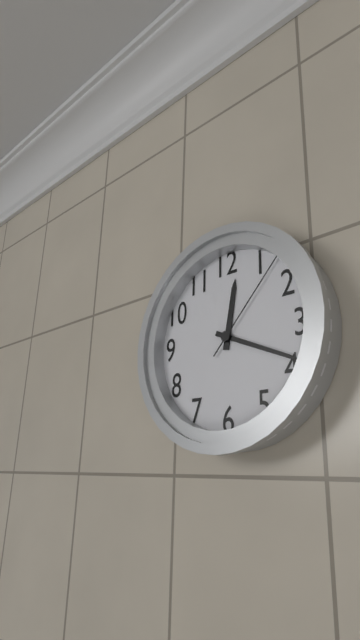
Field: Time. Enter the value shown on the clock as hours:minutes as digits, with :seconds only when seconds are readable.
12:19:07
